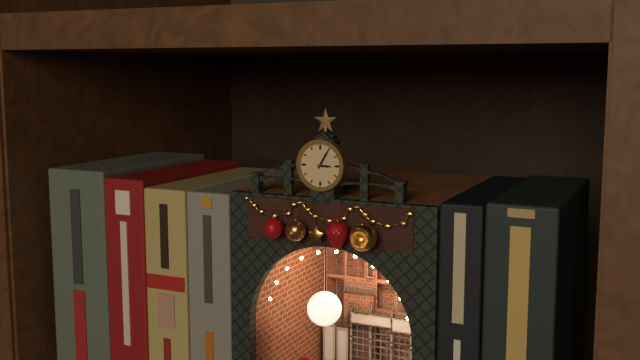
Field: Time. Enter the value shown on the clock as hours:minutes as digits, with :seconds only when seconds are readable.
3:05
